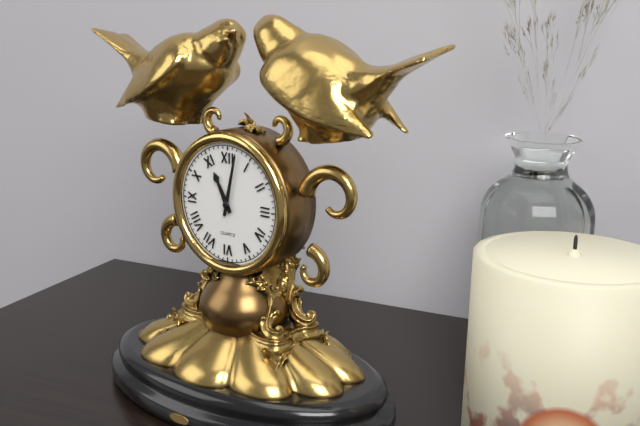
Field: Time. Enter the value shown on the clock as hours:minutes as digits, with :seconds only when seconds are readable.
11:02
